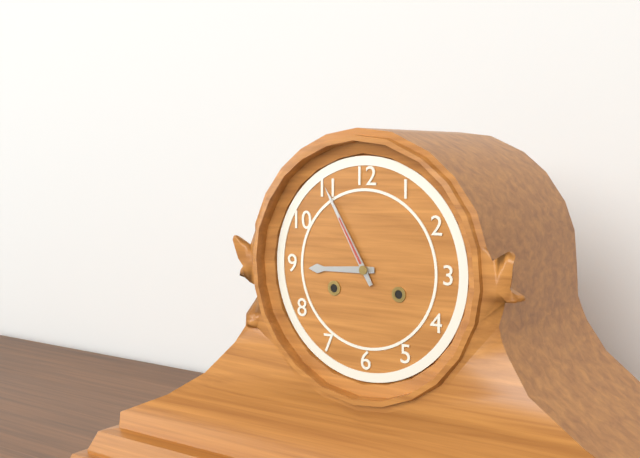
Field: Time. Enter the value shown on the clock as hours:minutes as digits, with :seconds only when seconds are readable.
8:55
